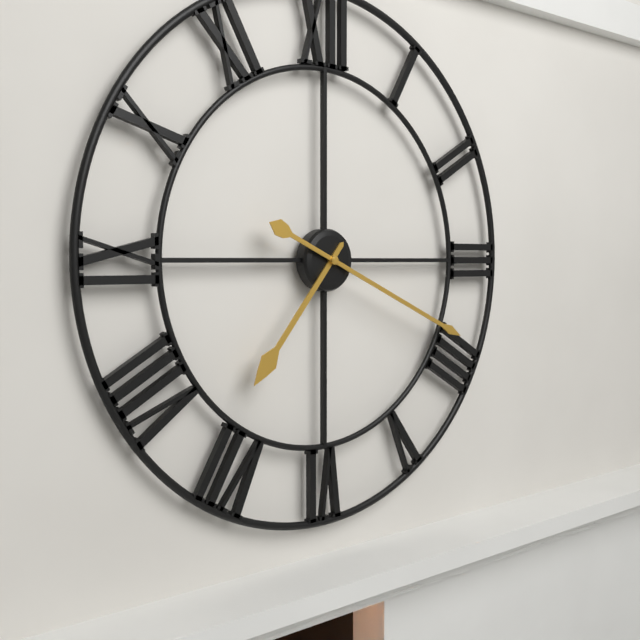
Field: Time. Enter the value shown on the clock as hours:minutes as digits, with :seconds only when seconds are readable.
7:19
